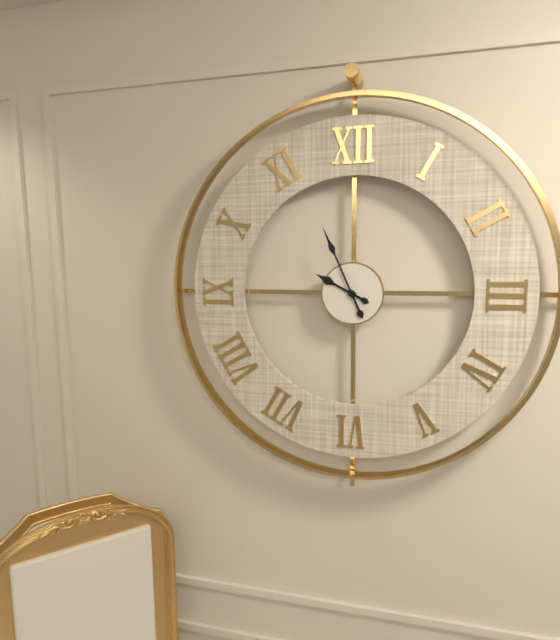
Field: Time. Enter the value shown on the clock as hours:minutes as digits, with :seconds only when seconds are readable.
9:56
